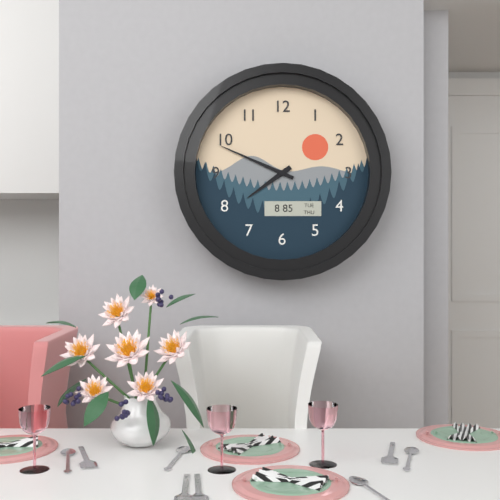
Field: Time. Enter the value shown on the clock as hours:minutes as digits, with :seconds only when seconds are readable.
7:49
